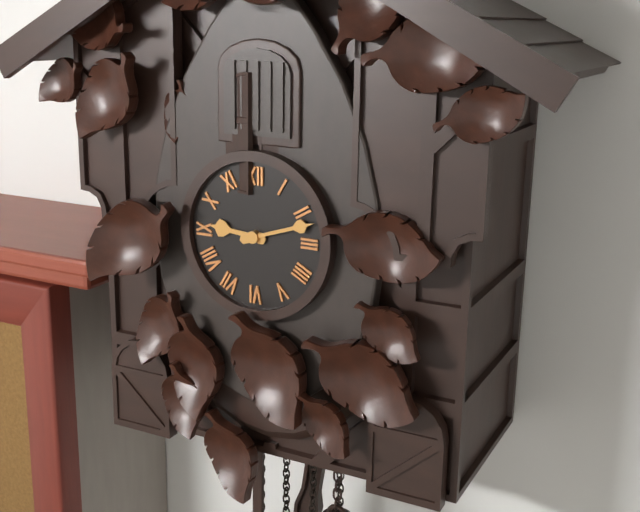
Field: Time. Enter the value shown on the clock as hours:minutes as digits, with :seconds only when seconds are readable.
9:12
